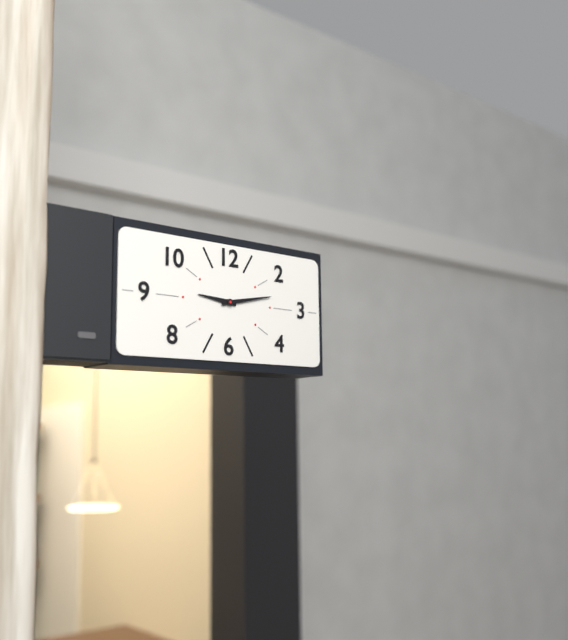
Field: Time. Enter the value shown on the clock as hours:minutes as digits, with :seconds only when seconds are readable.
9:13
